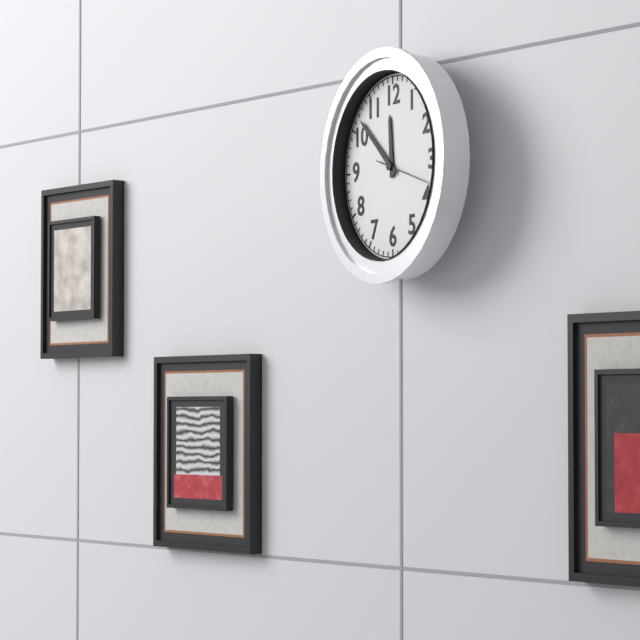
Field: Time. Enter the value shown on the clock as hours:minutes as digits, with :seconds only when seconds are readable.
11:52:18
